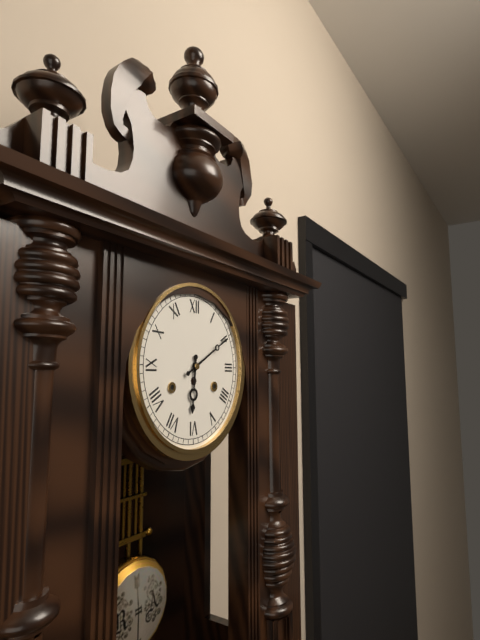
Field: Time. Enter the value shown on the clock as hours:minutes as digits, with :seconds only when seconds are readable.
6:10
